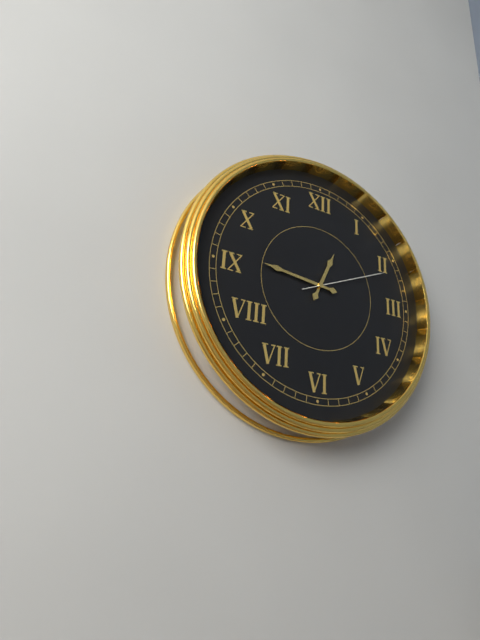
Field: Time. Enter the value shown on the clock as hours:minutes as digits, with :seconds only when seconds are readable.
12:46:11
